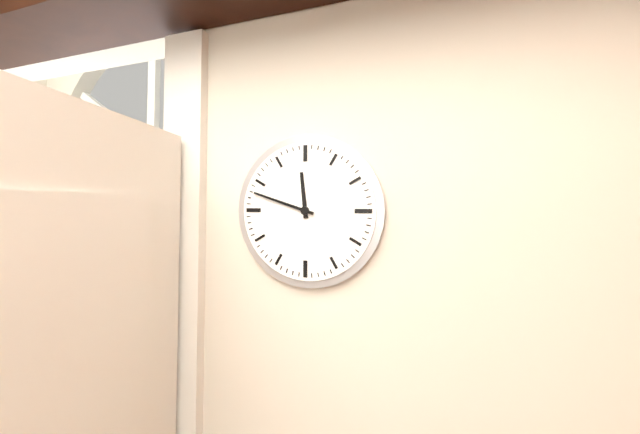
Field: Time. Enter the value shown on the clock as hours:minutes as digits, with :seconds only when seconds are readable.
11:48
